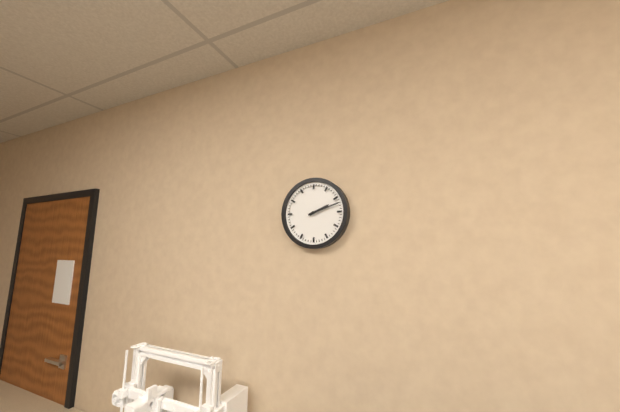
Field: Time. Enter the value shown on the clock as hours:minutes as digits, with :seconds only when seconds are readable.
2:12
